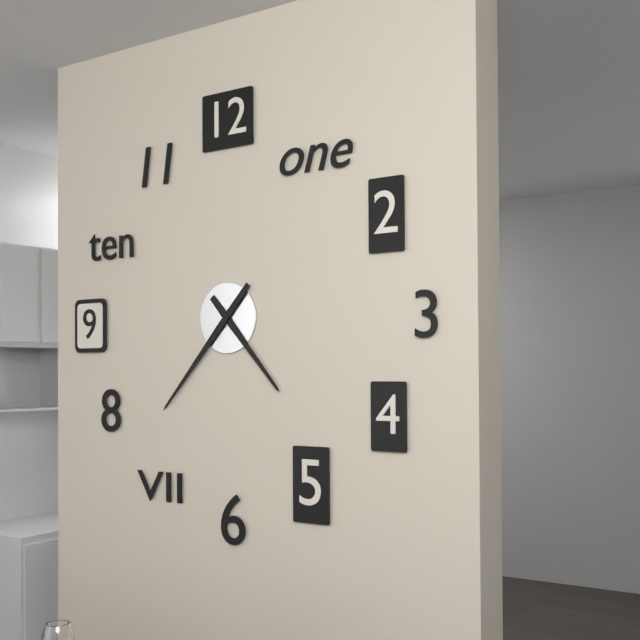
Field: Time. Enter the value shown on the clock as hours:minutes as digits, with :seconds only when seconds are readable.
4:37
